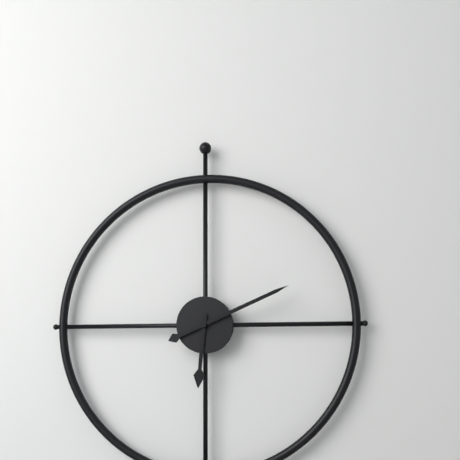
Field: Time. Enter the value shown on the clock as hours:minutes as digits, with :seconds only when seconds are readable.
6:11
